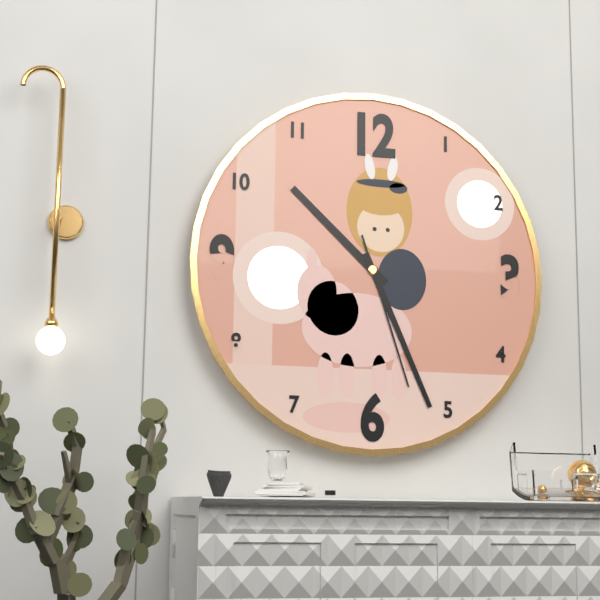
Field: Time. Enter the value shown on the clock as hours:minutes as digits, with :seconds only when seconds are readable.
10:26:27
